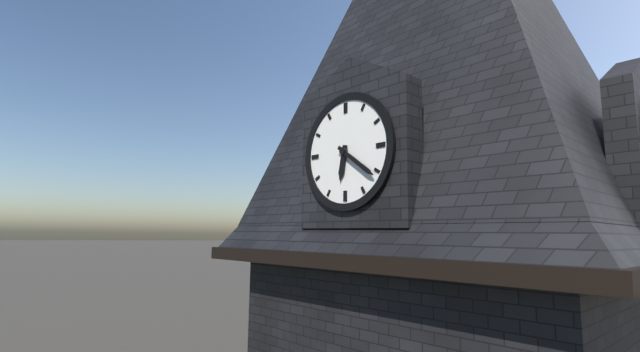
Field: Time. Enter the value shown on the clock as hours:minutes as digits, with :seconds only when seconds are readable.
6:21
